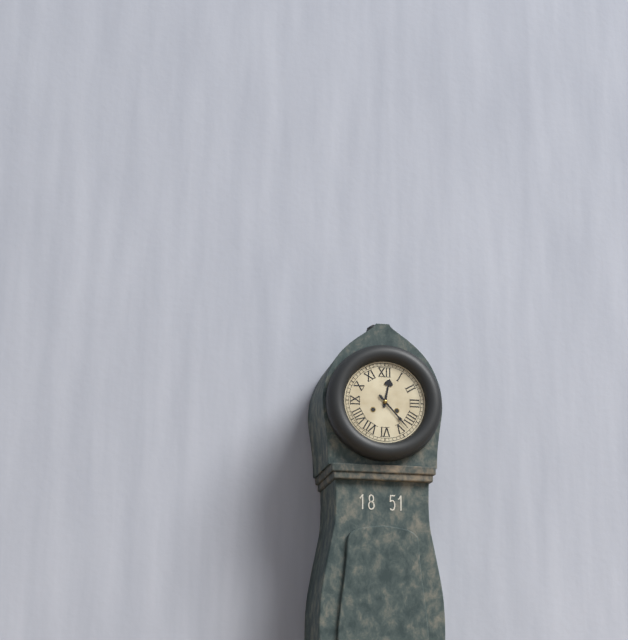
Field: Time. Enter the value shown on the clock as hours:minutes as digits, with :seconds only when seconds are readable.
12:23
